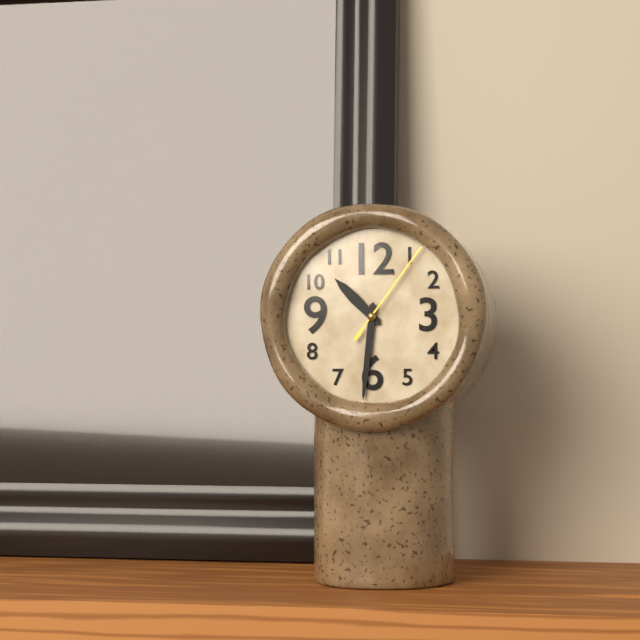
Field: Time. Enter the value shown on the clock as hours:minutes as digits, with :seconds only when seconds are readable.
10:31:06
